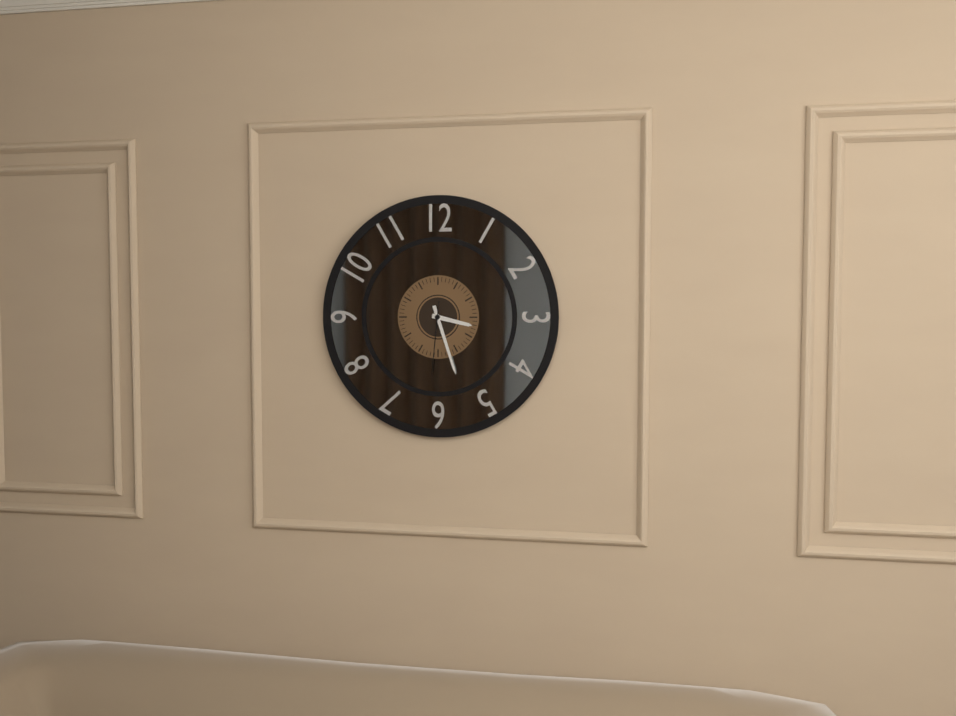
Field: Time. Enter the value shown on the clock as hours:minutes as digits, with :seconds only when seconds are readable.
3:27:31
